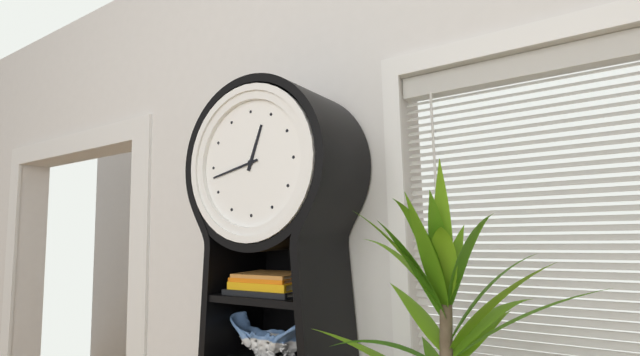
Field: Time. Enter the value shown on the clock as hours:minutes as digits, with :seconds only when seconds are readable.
12:43
